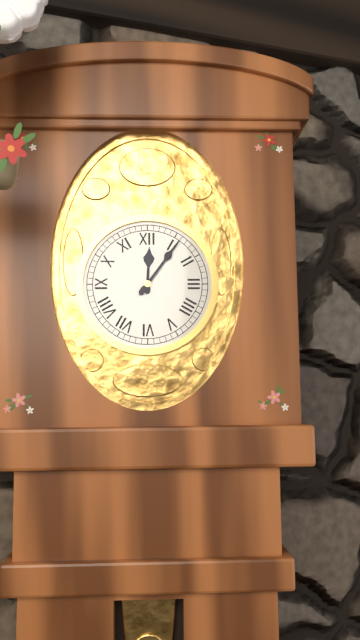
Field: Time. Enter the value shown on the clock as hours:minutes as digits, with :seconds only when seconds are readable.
12:06
